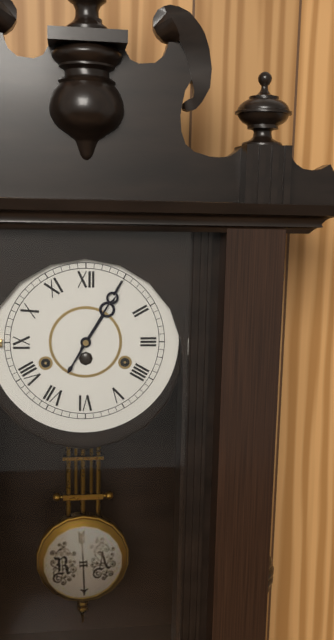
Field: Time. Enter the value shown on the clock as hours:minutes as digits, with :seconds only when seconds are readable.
1:05
